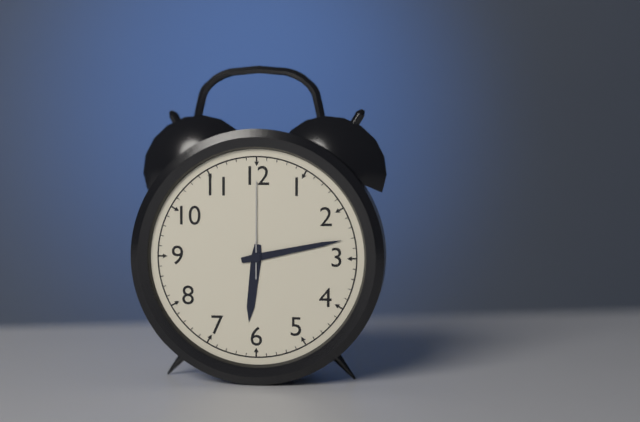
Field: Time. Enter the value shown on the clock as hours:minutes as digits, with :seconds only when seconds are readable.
6:13:00
